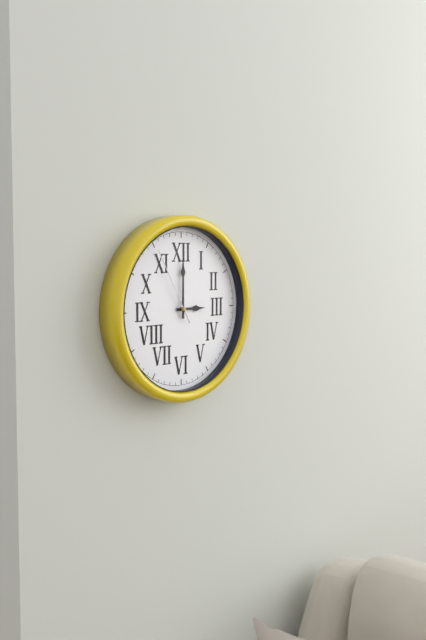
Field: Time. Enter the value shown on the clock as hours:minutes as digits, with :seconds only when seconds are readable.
3:00:55
